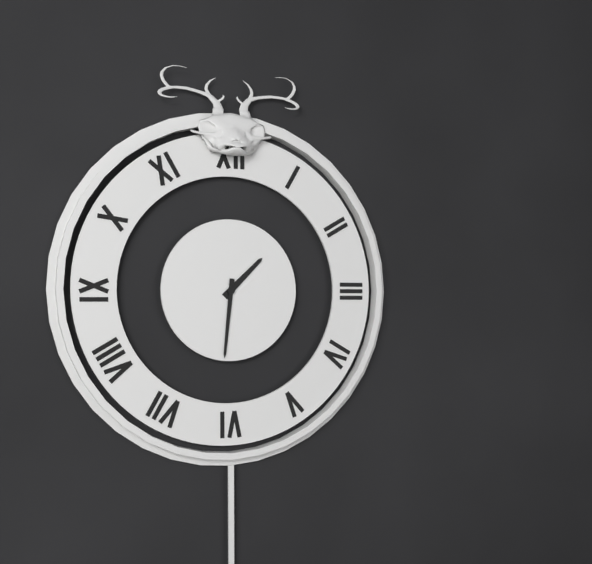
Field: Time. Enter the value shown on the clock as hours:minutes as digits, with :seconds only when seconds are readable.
1:31
